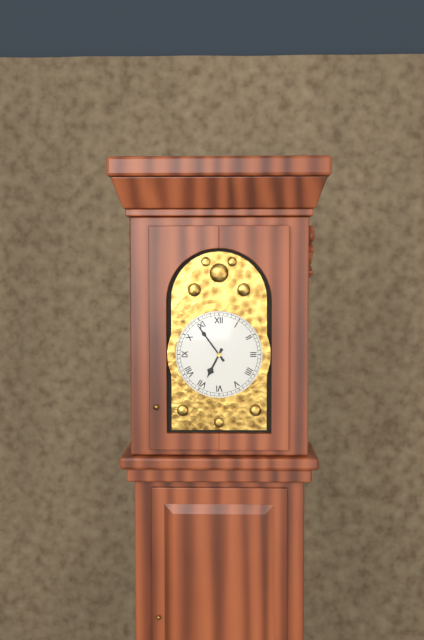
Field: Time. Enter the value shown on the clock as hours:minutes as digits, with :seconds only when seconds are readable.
6:54
